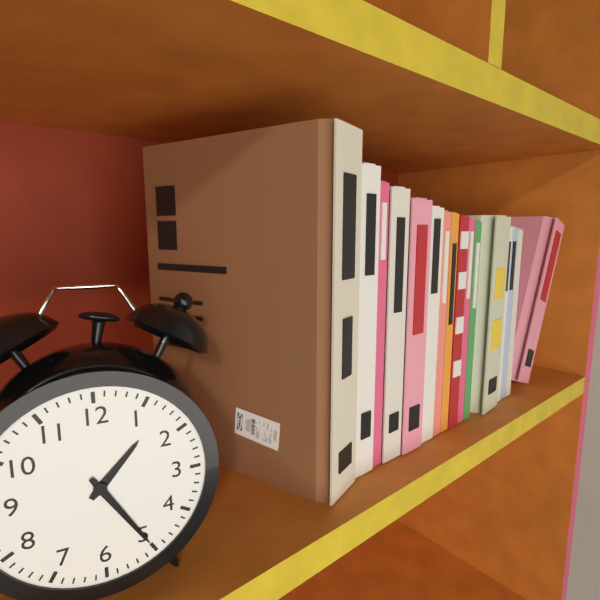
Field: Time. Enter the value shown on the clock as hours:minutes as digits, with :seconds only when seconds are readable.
1:25
